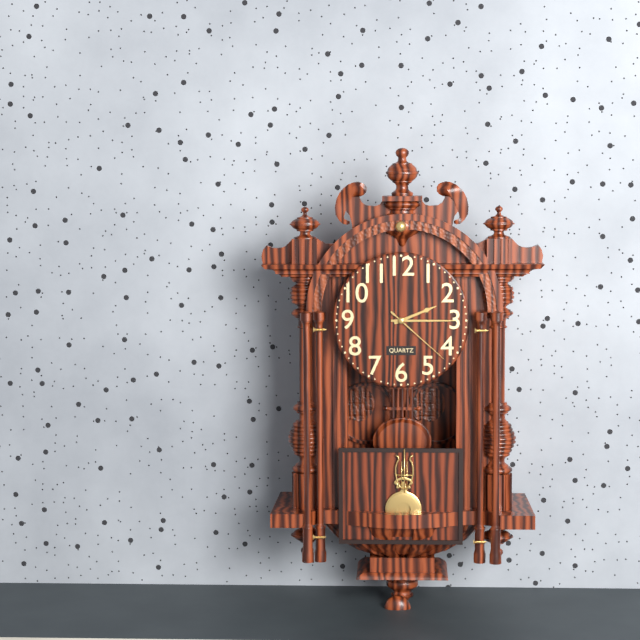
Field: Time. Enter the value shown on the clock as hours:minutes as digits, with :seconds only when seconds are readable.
2:15:22
